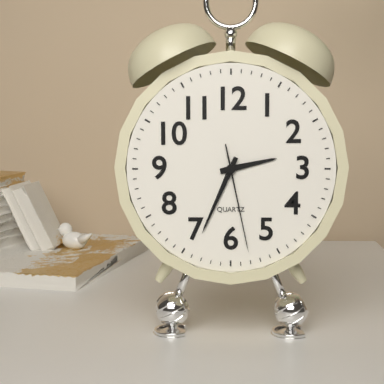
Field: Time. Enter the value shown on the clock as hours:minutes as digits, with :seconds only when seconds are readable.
2:34:28
